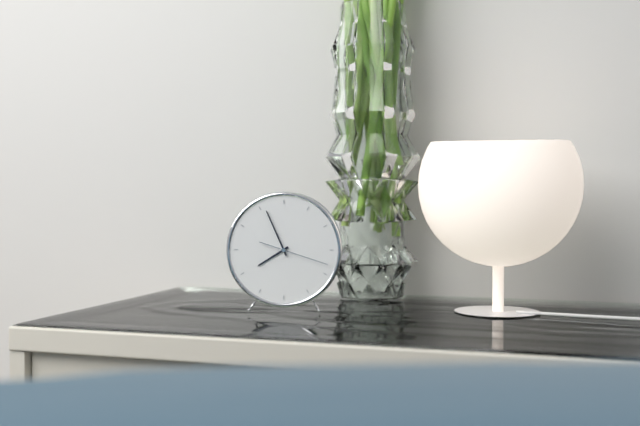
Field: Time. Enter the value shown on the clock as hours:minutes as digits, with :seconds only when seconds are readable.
7:56:18
